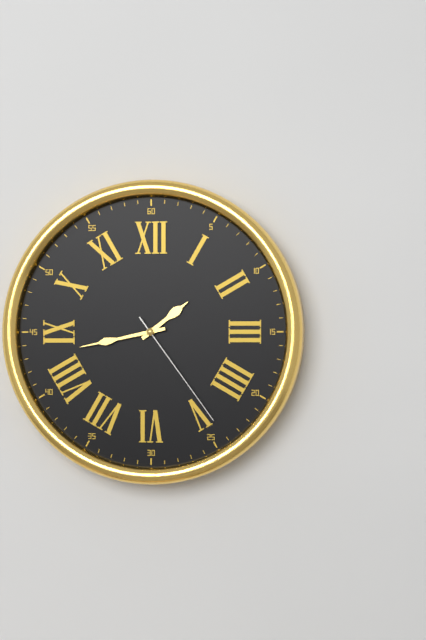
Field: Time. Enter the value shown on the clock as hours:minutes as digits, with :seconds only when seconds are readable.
1:43:24
